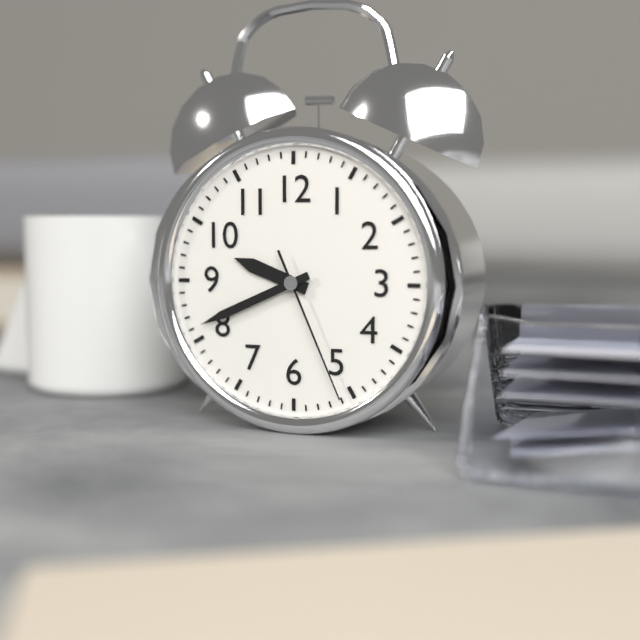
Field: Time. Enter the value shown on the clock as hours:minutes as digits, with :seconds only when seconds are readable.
9:41:26
